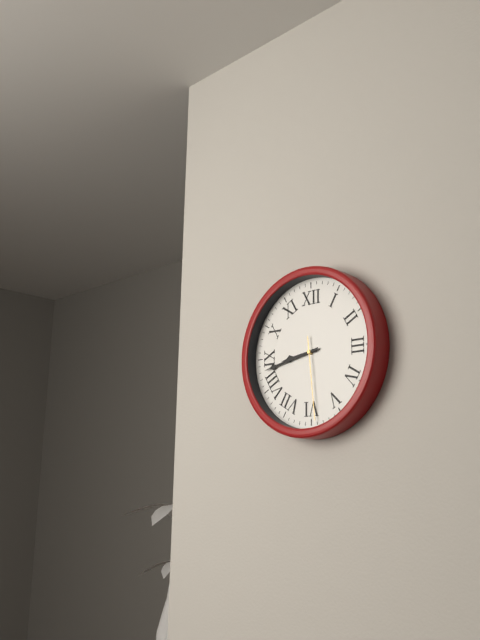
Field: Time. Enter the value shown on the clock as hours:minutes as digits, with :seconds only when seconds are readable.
8:43:29
